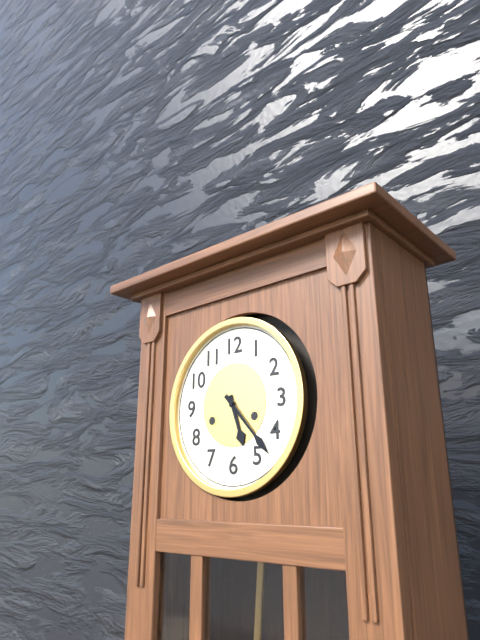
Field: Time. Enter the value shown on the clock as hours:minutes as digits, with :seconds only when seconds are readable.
5:23
